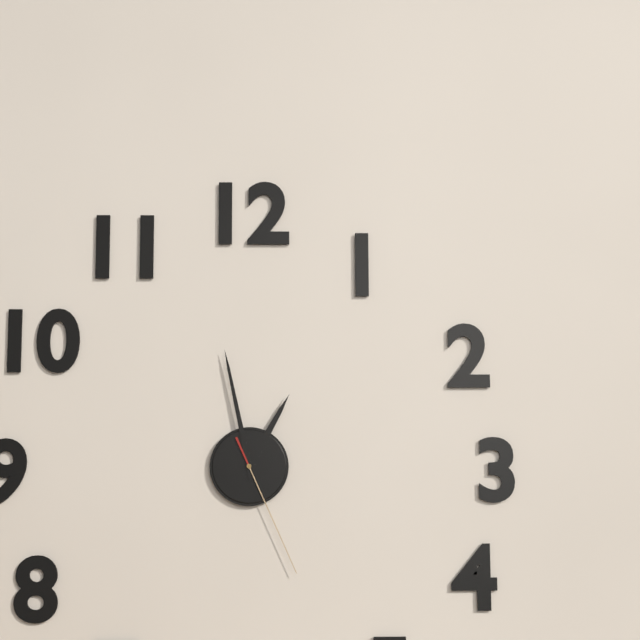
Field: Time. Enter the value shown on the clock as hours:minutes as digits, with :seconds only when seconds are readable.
12:58:26
